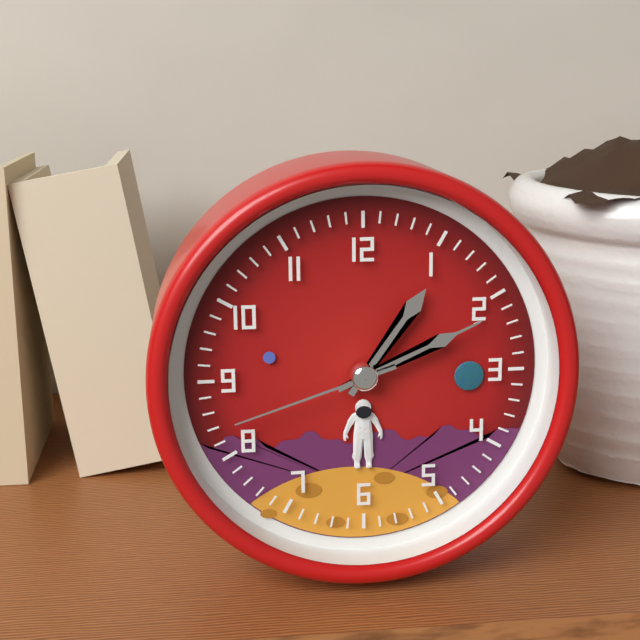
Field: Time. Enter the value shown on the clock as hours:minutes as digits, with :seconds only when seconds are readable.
1:11:42
